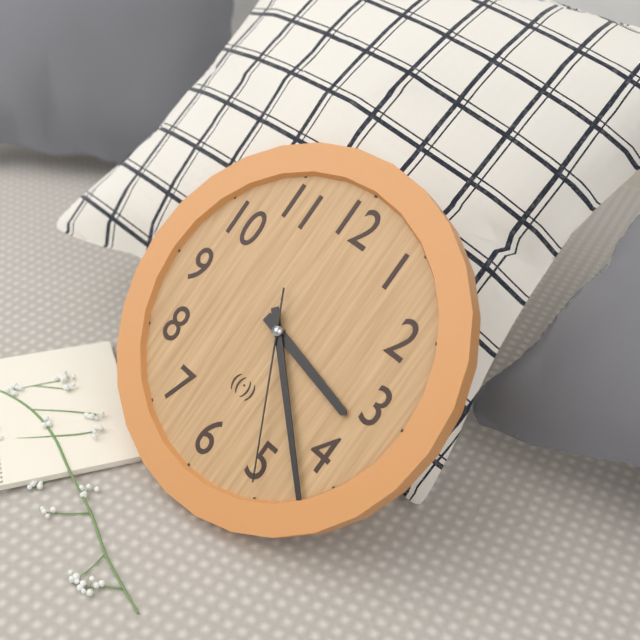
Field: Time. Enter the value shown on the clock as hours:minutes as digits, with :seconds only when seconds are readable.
3:22:25
